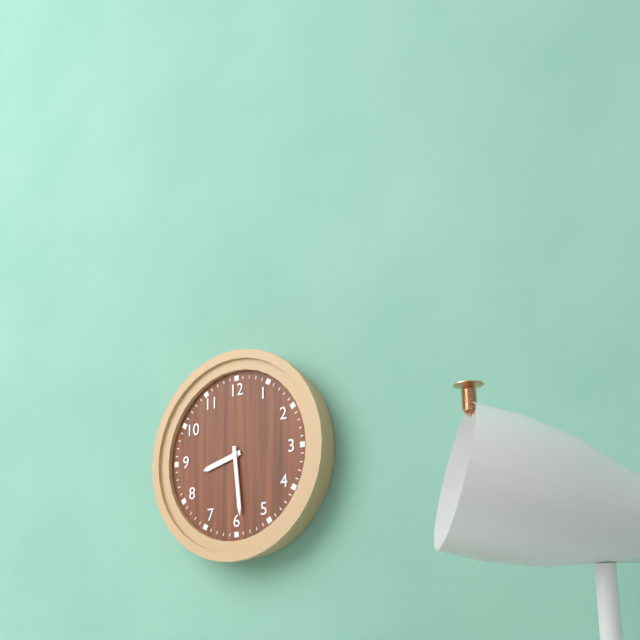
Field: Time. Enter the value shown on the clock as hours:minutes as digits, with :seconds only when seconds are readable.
8:29
